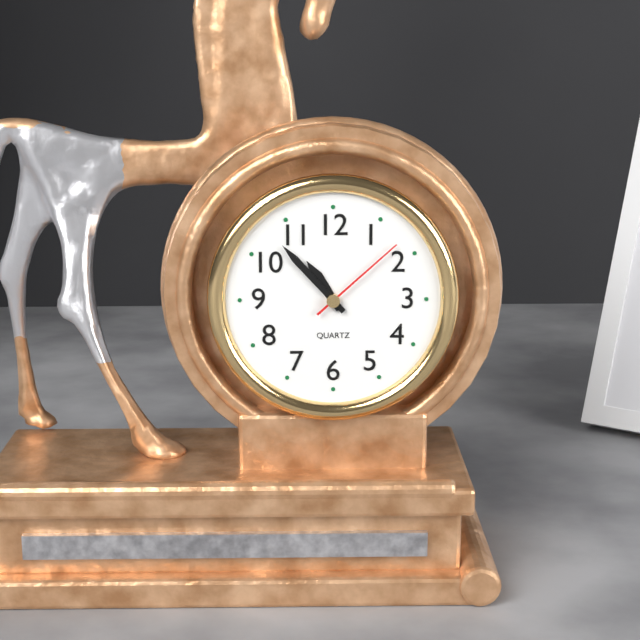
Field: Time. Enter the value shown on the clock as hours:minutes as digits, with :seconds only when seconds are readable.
10:53:08
